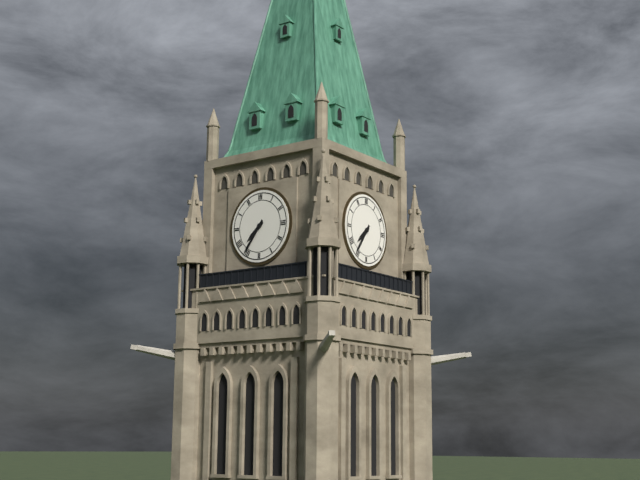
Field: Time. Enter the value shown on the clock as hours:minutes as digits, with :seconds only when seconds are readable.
7:36
